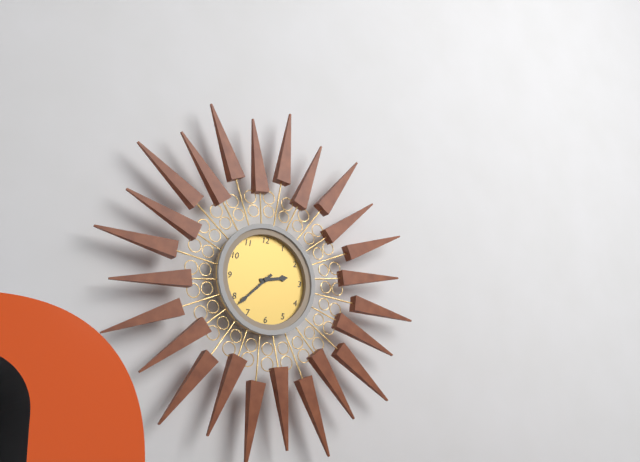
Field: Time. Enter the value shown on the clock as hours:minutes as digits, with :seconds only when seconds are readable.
2:38
